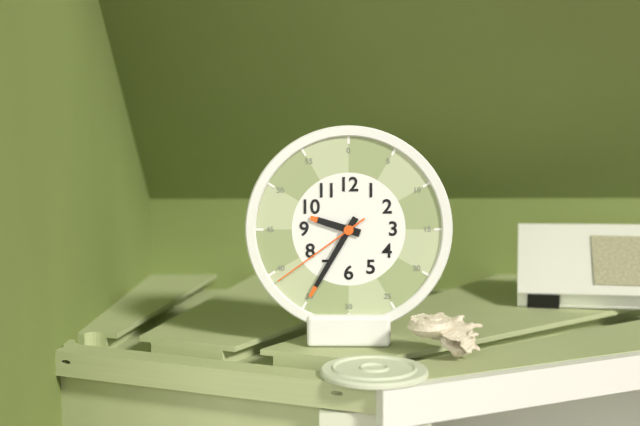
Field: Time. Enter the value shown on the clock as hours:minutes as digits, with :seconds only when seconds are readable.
9:35:39
